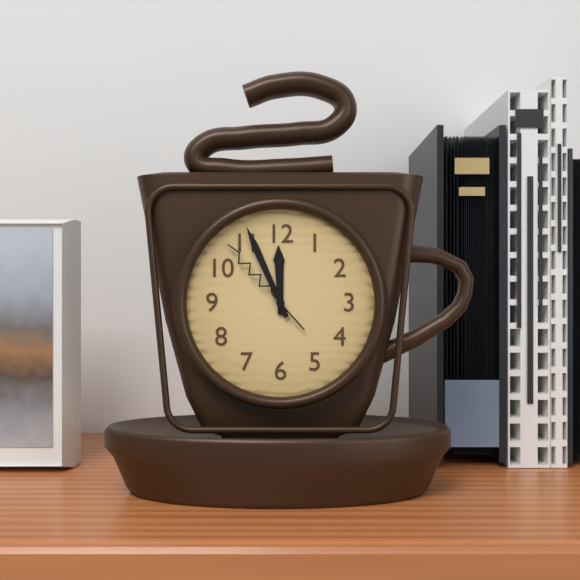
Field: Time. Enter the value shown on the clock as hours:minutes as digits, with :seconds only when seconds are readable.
11:56:53
